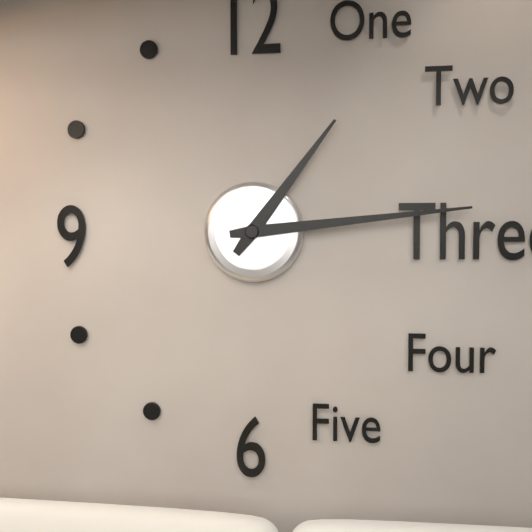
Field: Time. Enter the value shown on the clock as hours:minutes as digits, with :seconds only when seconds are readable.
1:14
